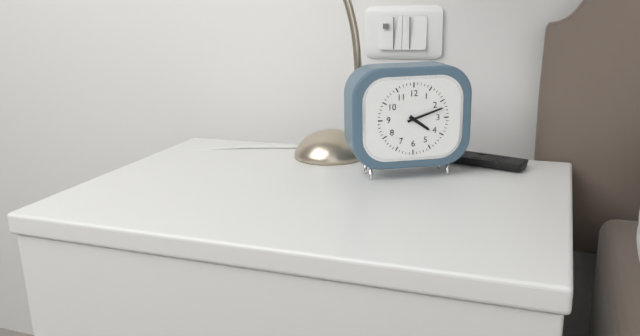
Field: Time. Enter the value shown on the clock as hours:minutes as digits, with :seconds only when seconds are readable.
4:12
